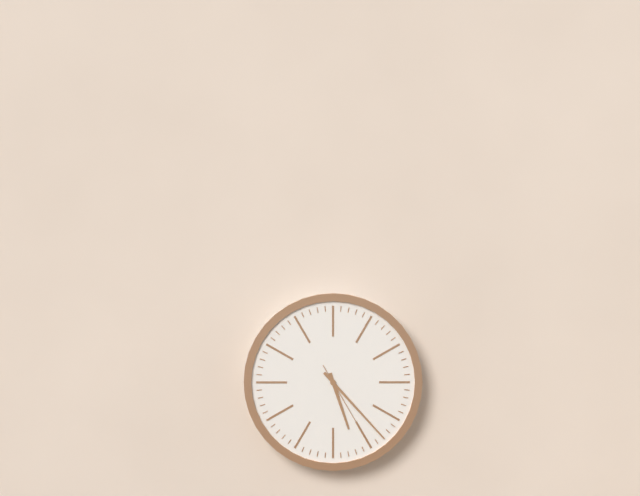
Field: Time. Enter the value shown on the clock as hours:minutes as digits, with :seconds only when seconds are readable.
5:23:25
